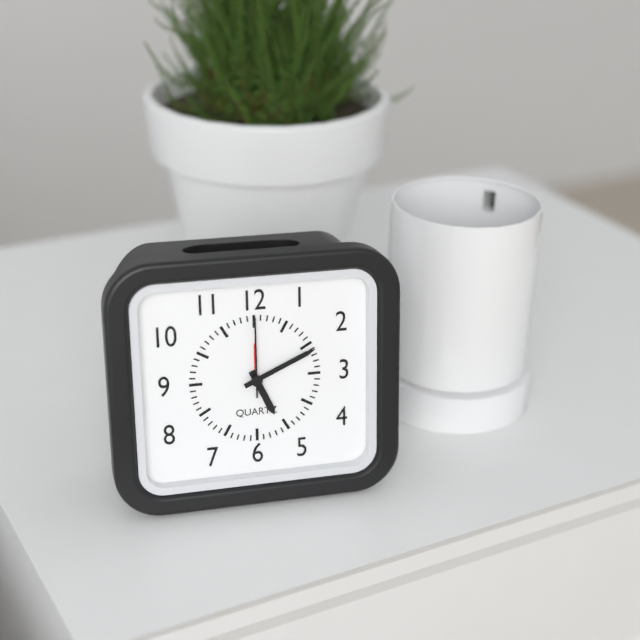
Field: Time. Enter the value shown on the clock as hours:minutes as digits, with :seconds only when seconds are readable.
5:11:00
